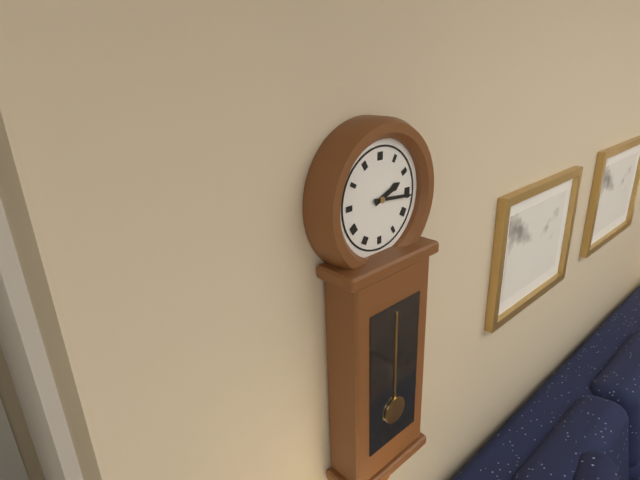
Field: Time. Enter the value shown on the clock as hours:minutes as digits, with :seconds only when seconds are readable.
2:16
